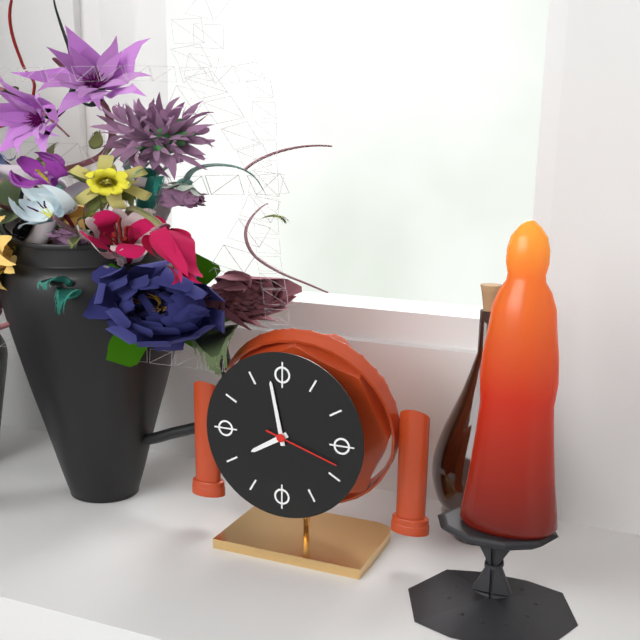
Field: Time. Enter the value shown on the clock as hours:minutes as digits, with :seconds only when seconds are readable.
7:58:18
